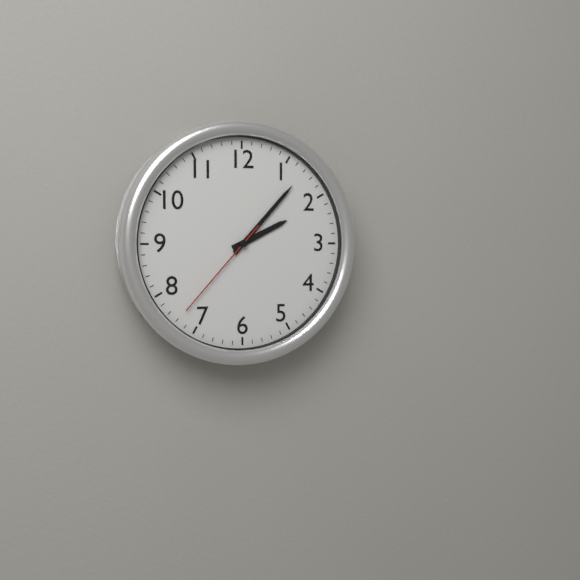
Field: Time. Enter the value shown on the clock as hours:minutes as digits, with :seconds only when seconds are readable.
2:07:37
